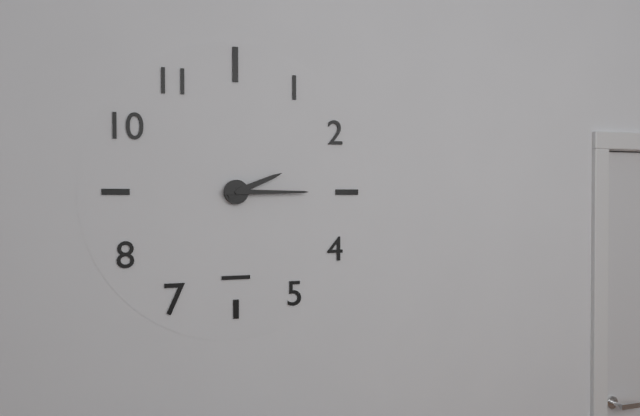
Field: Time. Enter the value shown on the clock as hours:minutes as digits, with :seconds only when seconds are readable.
2:15
